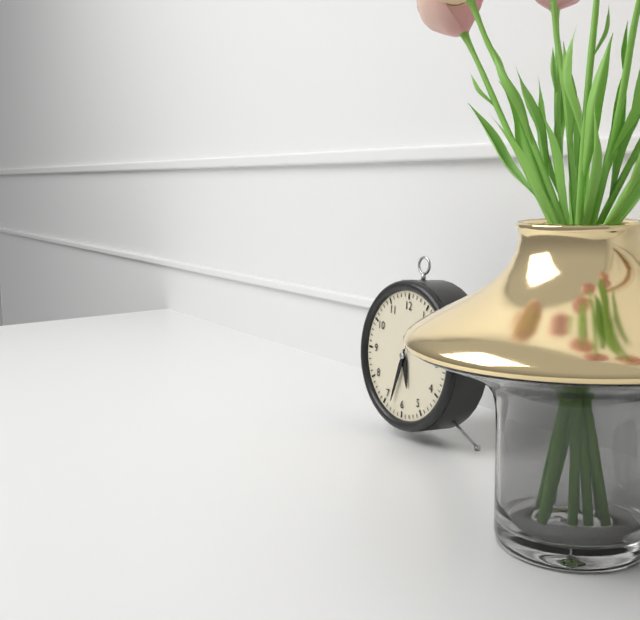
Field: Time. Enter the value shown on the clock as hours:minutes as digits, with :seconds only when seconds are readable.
5:33
